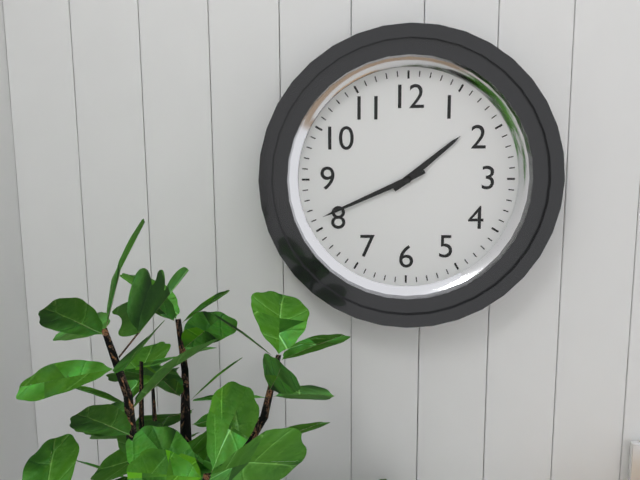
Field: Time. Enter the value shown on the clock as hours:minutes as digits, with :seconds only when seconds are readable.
1:41
